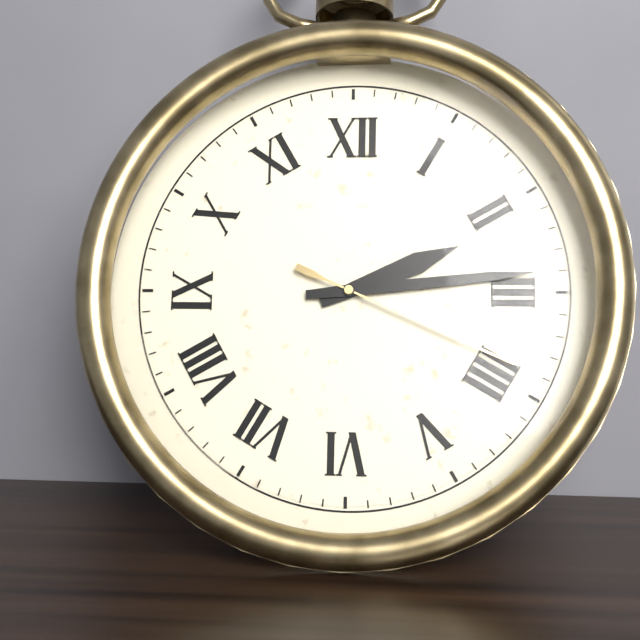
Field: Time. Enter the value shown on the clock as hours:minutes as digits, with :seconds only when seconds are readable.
2:14:19
